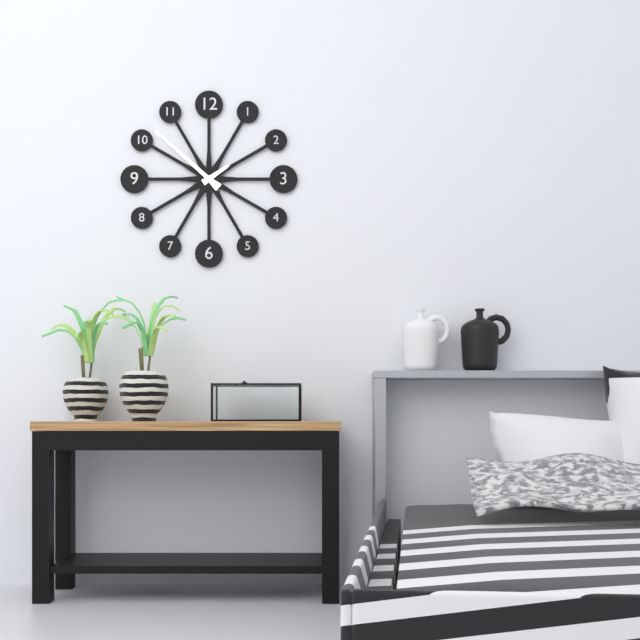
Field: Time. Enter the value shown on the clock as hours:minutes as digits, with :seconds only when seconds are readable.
1:52
